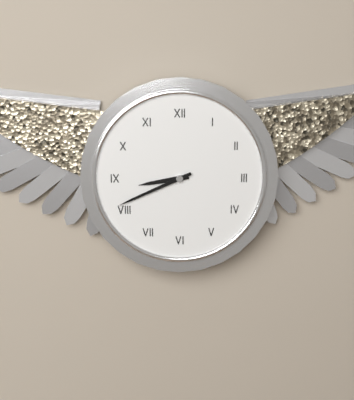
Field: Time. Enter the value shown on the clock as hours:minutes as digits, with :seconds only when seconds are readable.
8:41
